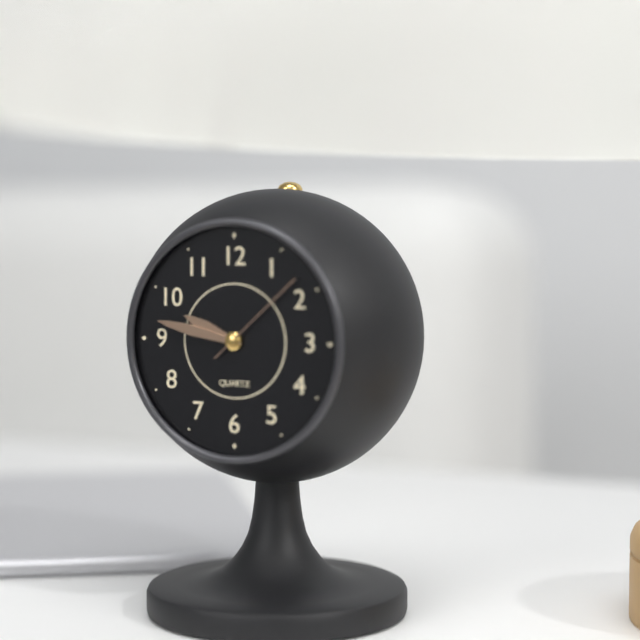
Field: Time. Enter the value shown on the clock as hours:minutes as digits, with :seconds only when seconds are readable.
9:47:08
